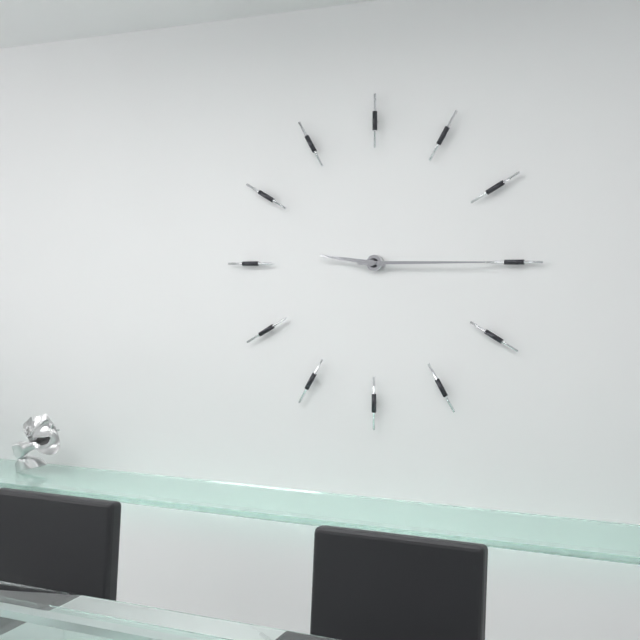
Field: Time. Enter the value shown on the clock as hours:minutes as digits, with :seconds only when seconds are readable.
9:15
